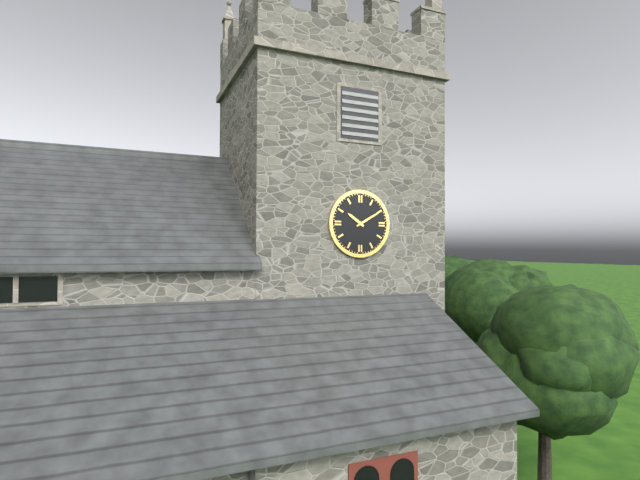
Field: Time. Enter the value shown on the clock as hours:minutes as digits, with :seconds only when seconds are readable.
10:10
